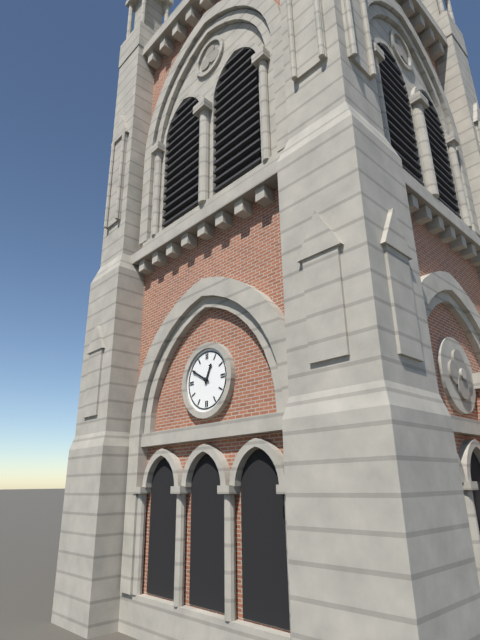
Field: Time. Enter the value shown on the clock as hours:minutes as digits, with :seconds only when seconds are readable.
12:50
